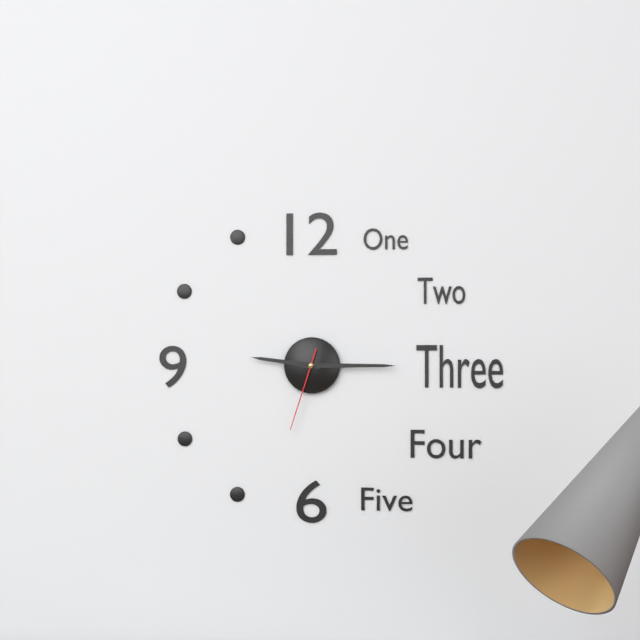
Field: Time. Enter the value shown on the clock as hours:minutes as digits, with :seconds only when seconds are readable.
9:15:33
